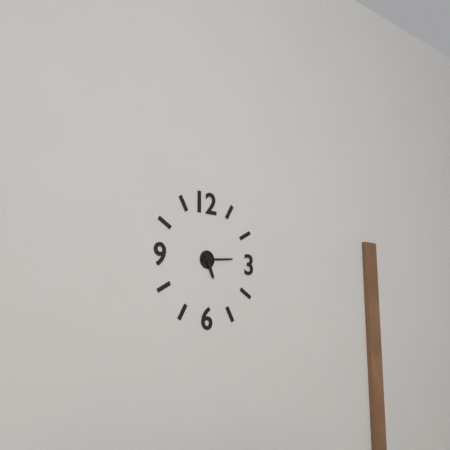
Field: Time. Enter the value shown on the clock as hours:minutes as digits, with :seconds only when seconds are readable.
5:14
